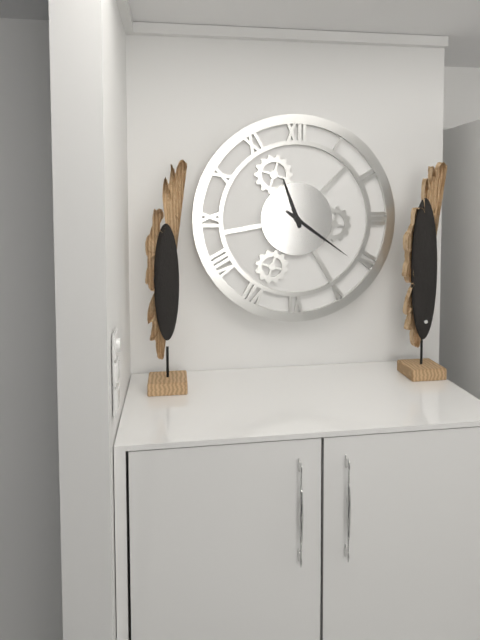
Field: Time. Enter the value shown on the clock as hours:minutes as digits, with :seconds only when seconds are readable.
11:21
